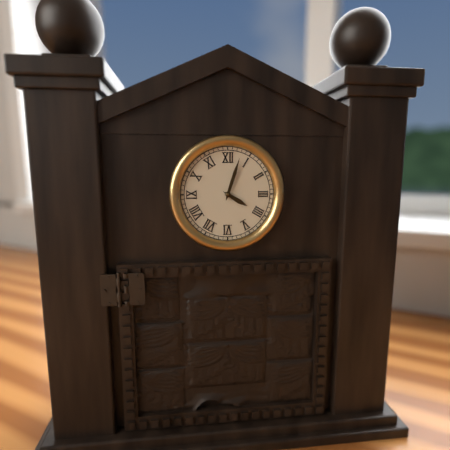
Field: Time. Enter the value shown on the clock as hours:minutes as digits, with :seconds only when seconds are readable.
4:03
